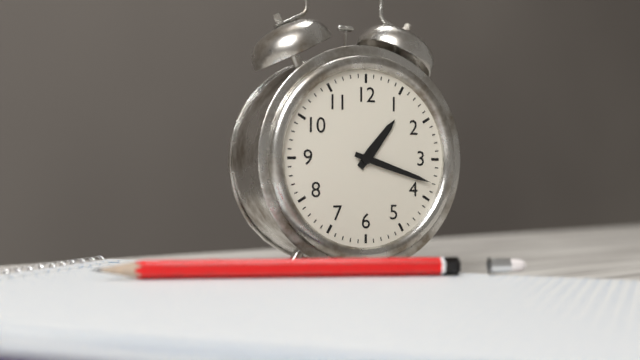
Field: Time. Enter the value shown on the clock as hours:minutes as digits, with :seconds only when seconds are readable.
1:18
